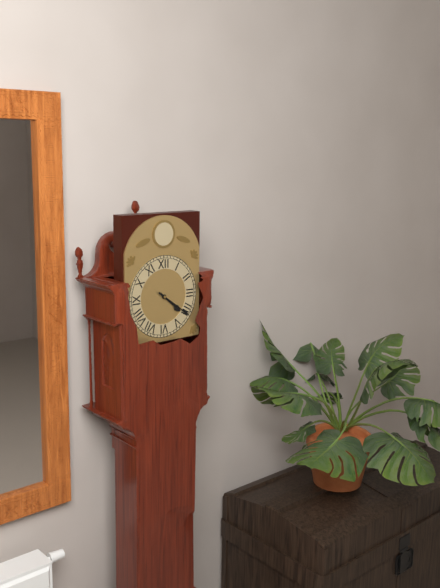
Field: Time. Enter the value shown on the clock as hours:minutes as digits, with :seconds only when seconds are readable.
4:21
